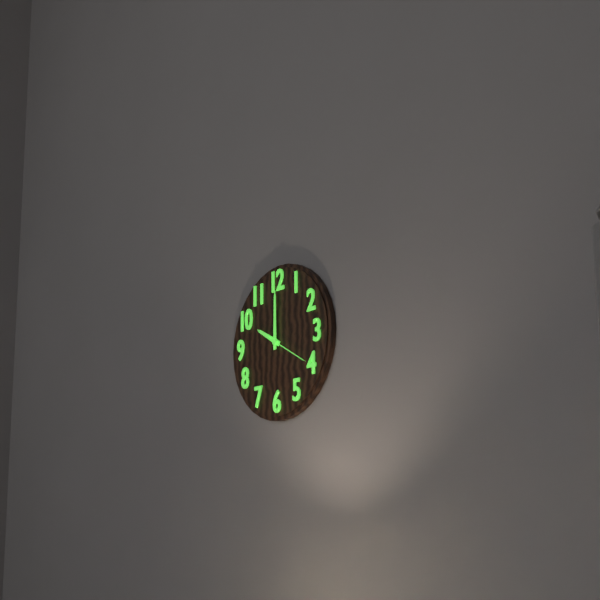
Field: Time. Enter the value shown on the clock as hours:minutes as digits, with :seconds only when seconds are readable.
10:00
